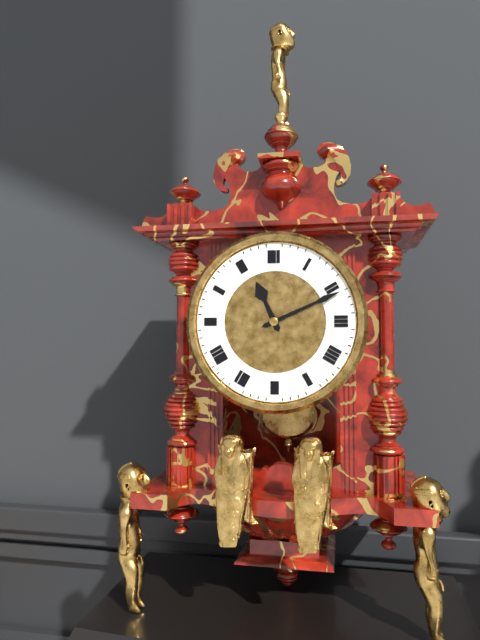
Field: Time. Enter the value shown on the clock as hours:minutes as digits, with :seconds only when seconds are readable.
11:11
